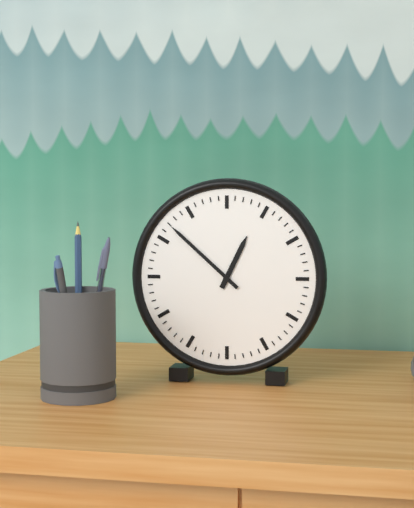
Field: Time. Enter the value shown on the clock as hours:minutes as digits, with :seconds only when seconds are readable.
12:52
